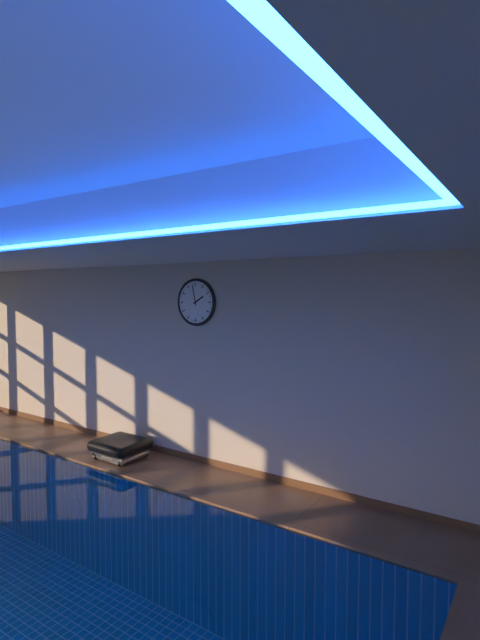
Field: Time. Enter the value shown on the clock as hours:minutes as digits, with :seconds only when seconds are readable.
1:58
